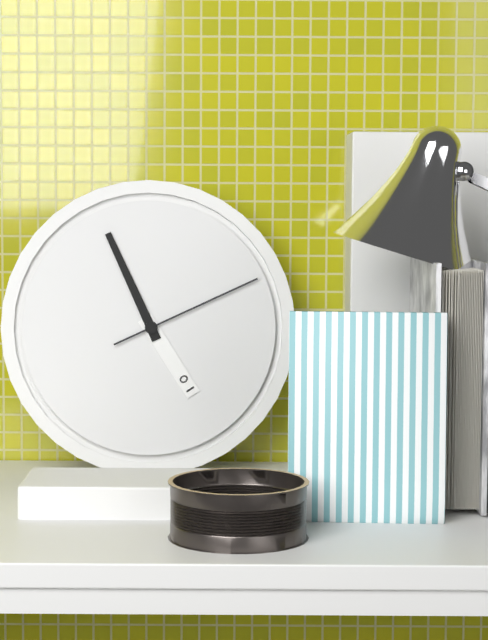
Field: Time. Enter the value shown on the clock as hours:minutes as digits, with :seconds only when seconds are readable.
4:56:11
